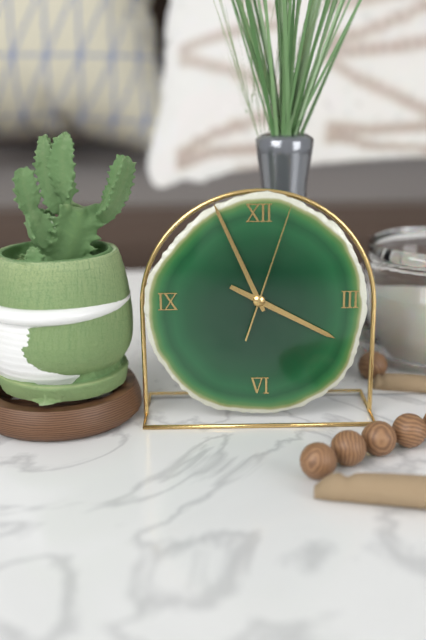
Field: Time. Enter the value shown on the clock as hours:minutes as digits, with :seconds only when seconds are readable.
3:56:03
